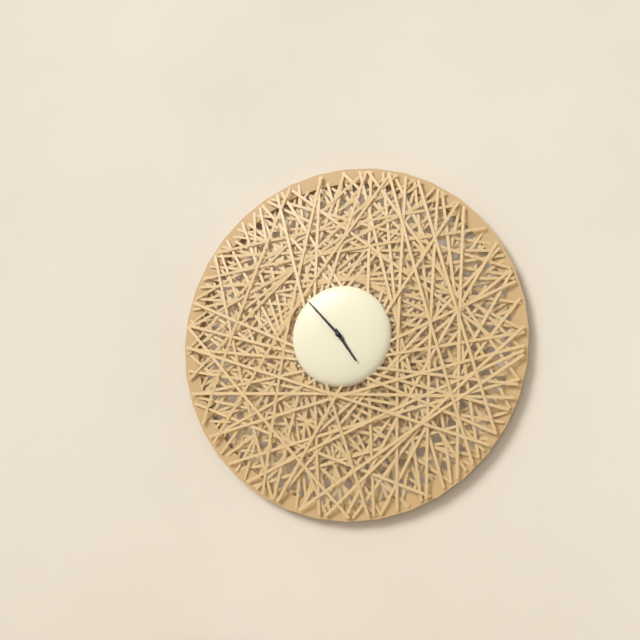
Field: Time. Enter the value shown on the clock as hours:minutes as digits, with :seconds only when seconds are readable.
4:53
